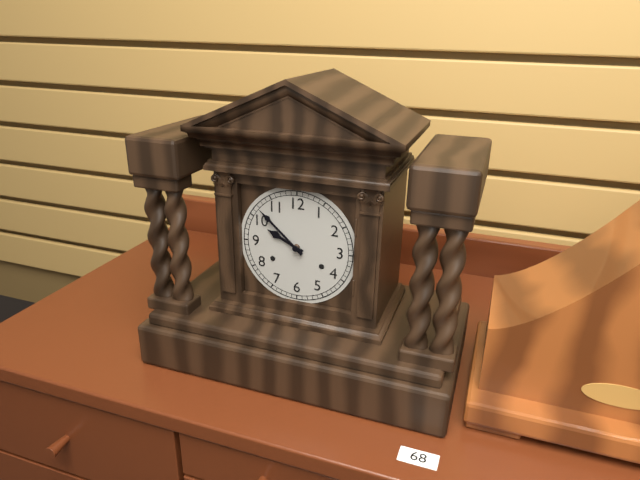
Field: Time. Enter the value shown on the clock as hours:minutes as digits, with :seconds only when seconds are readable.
9:52
